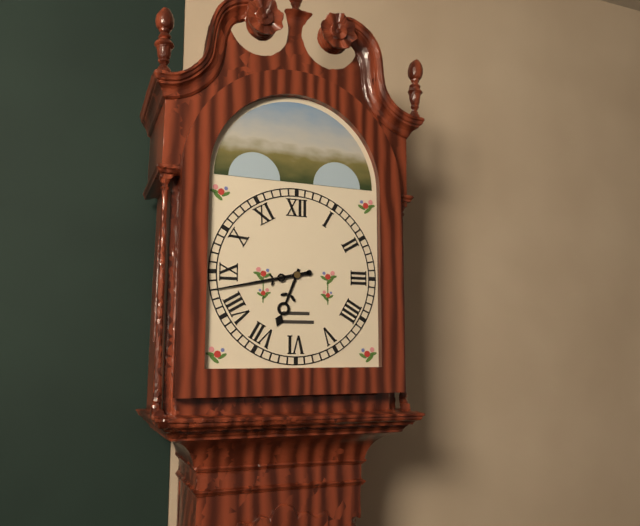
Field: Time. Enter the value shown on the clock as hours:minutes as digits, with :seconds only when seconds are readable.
6:43
